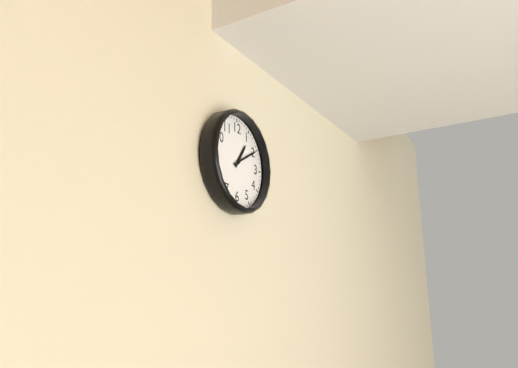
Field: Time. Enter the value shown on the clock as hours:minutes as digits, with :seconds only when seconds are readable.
1:10
